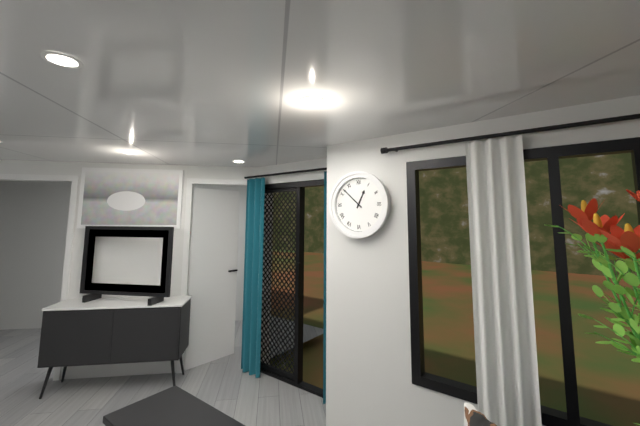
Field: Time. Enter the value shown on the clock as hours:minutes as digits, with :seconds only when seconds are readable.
12:52
